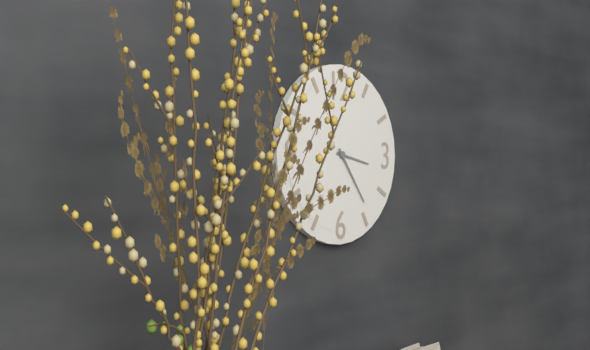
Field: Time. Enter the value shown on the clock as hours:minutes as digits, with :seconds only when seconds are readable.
3:24
